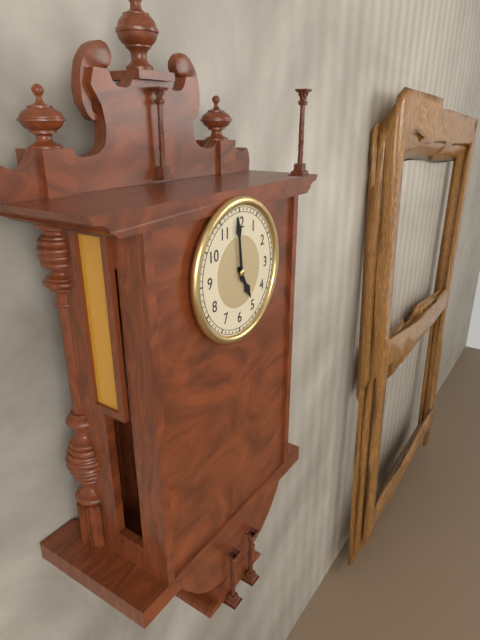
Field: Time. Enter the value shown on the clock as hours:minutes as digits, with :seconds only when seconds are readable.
4:59
